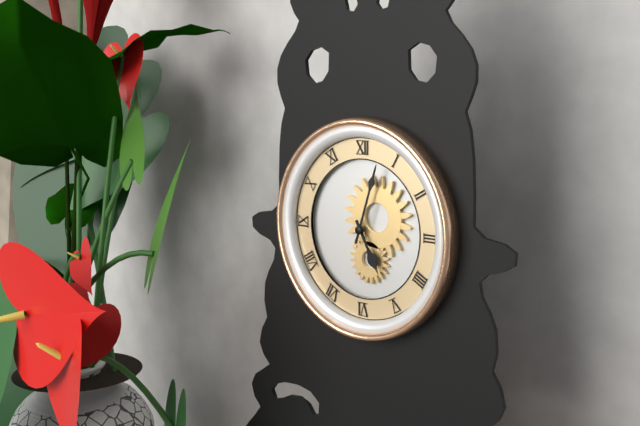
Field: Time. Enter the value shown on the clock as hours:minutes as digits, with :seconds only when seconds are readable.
5:03
